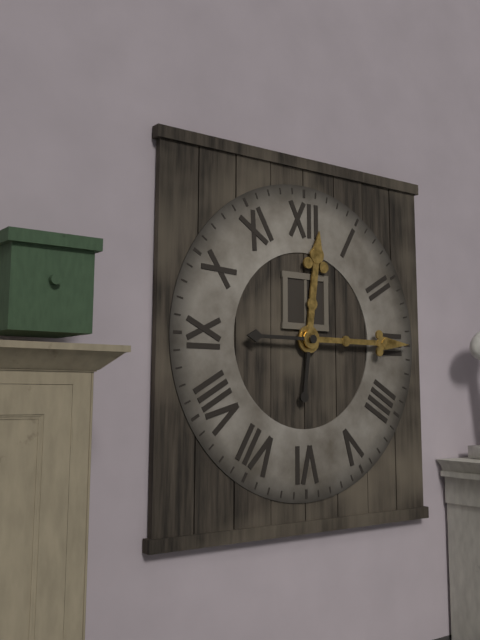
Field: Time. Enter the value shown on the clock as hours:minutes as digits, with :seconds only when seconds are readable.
12:15
